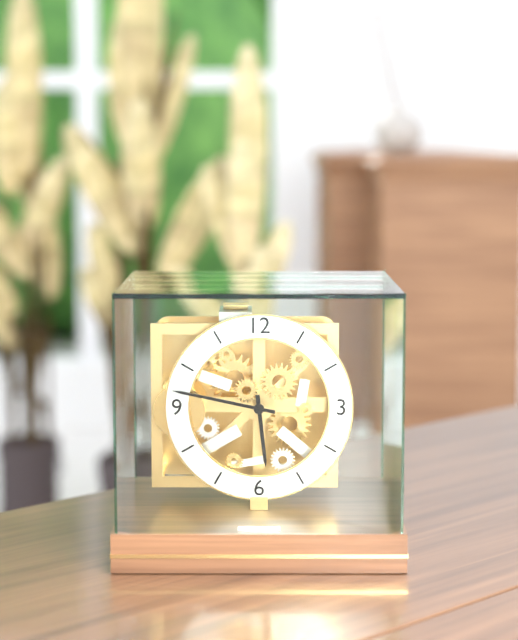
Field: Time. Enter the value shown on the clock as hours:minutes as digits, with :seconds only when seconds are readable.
5:47
